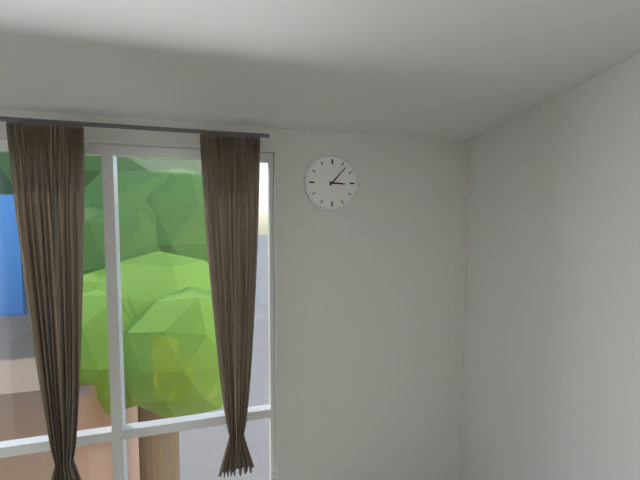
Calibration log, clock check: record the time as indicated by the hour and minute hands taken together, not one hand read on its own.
3:07
